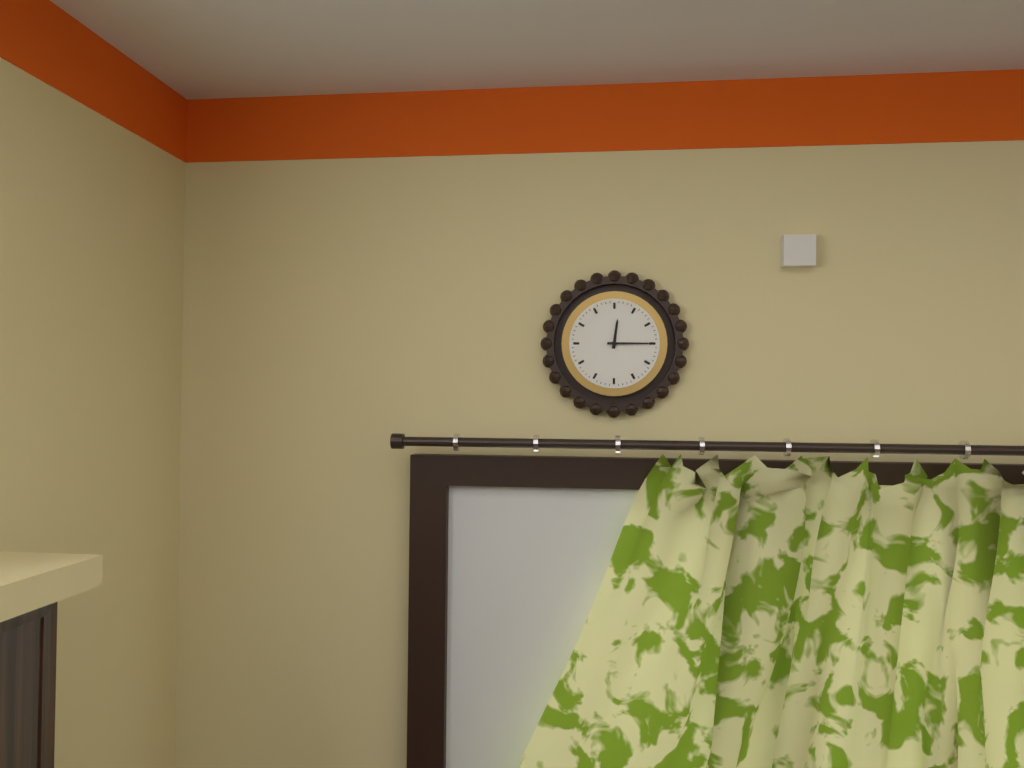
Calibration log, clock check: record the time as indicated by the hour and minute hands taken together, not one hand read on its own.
12:15
